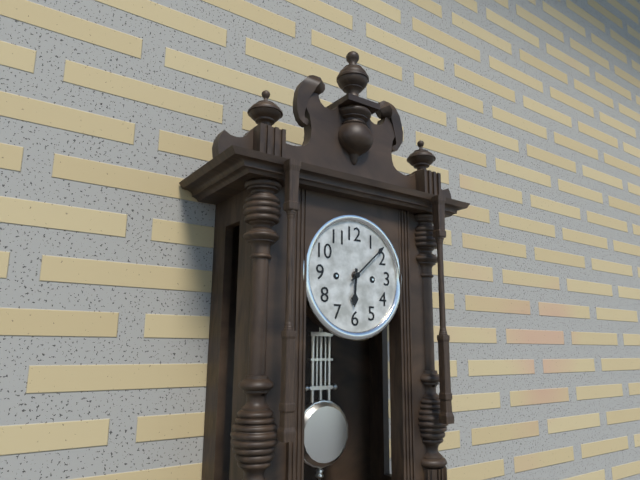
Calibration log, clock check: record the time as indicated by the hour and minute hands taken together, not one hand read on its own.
6:08
